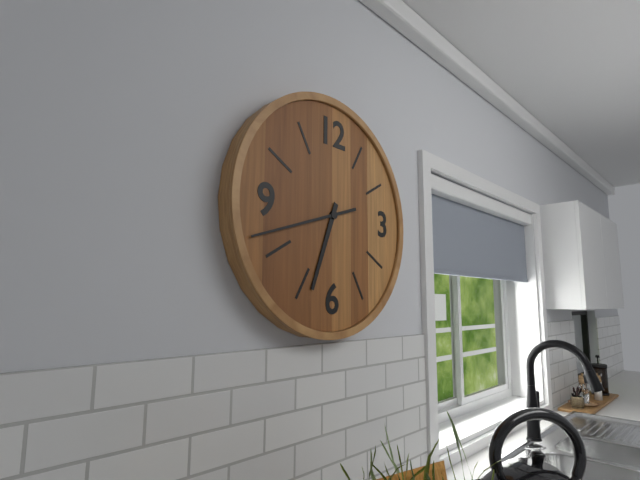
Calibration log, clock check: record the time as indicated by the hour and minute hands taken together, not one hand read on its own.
6:42
